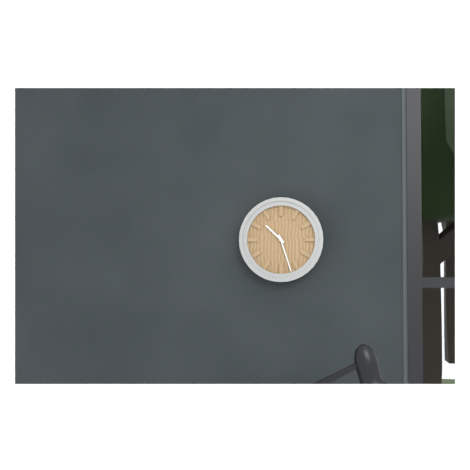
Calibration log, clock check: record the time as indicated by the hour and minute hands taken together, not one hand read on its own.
10:27
